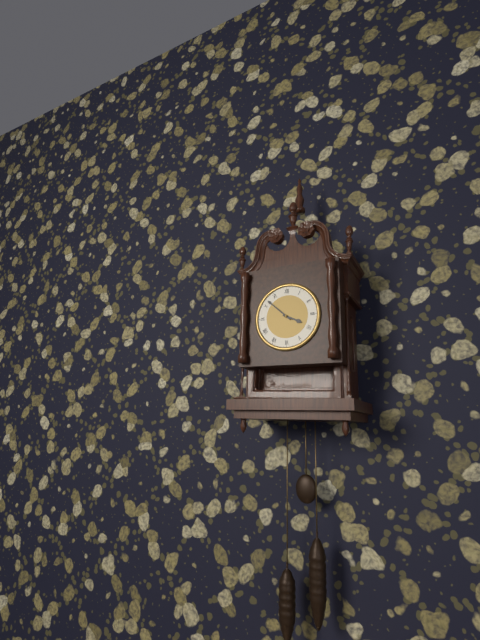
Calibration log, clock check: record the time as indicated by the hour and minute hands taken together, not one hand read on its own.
3:52
